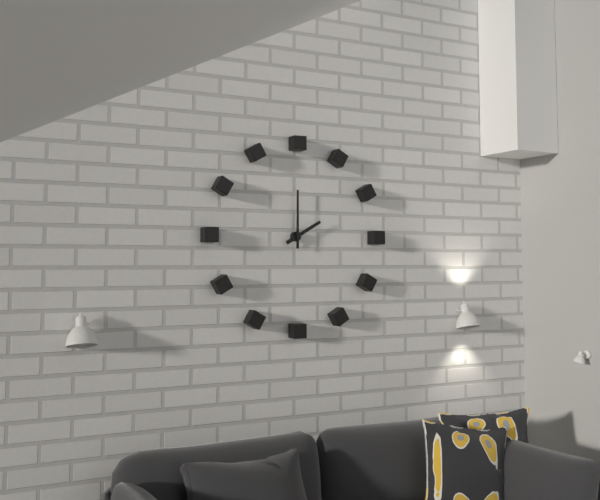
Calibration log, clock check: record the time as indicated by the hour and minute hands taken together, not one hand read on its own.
2:00
